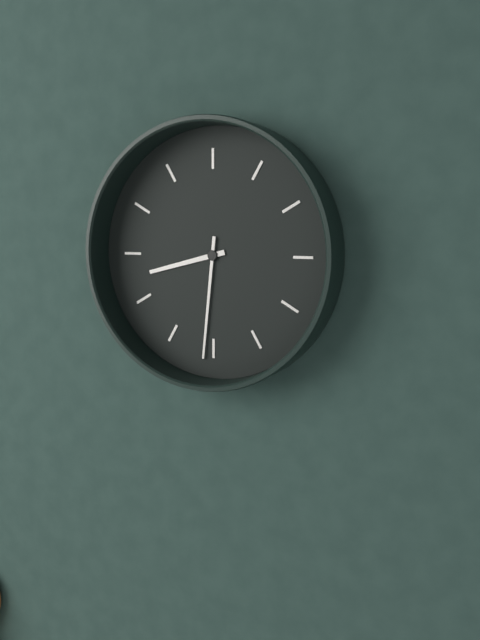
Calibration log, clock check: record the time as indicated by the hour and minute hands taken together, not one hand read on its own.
8:31
